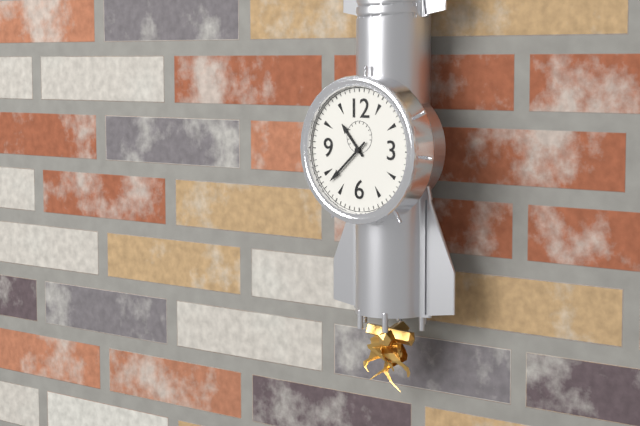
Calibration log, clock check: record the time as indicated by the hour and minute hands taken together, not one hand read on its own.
10:38
